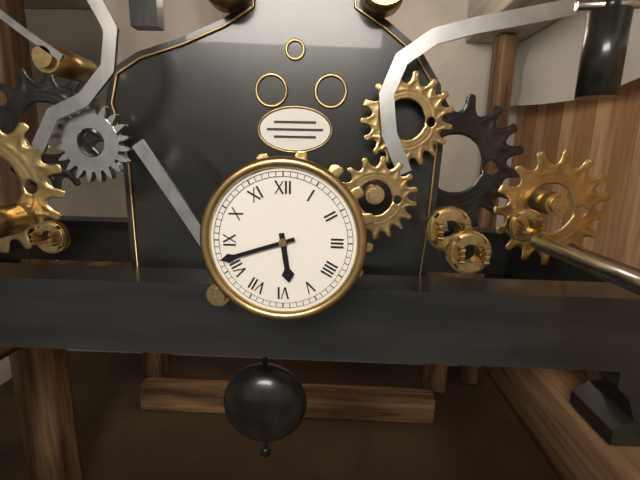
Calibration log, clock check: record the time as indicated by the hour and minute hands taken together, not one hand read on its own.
5:42
